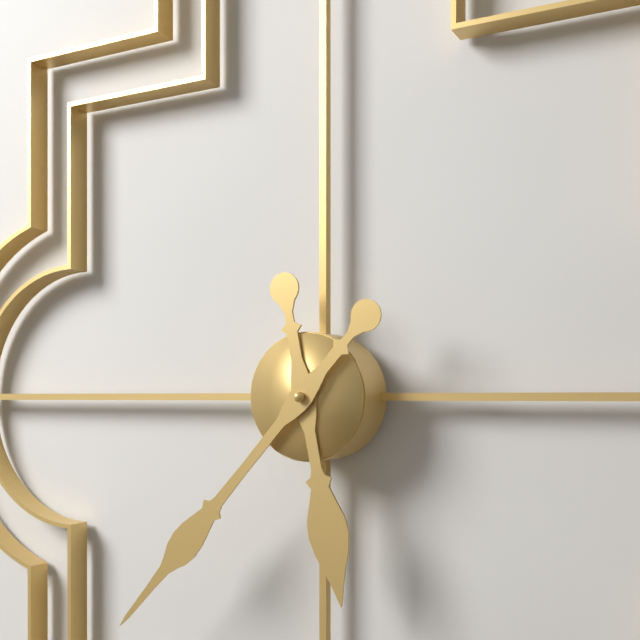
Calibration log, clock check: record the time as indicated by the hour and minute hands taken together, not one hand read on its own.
5:37
